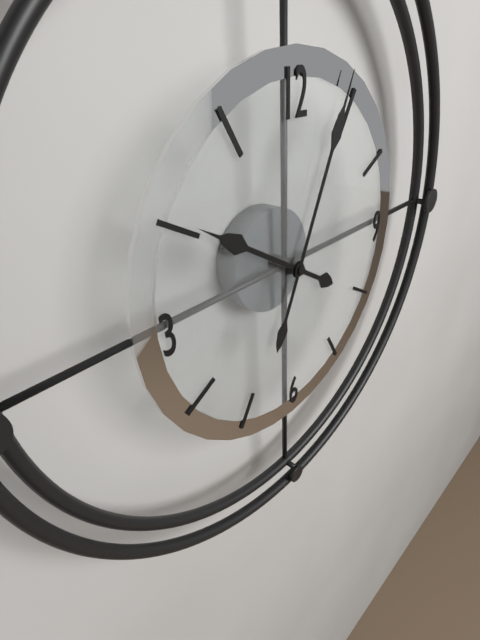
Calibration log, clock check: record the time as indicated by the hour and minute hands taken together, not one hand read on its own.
10:04
